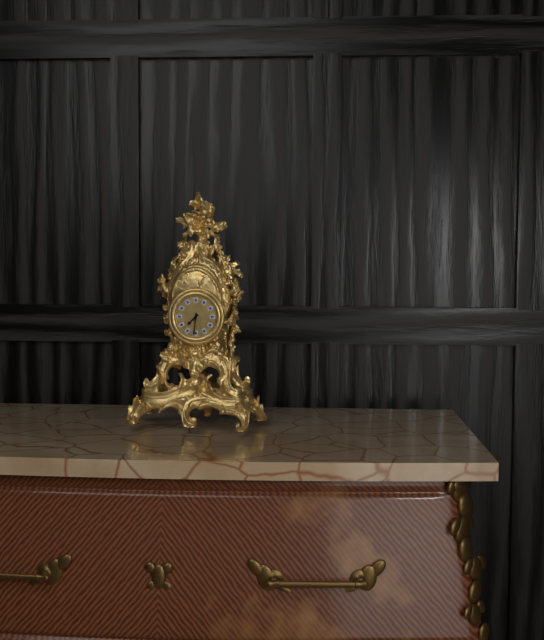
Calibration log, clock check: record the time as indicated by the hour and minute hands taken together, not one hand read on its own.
7:31
